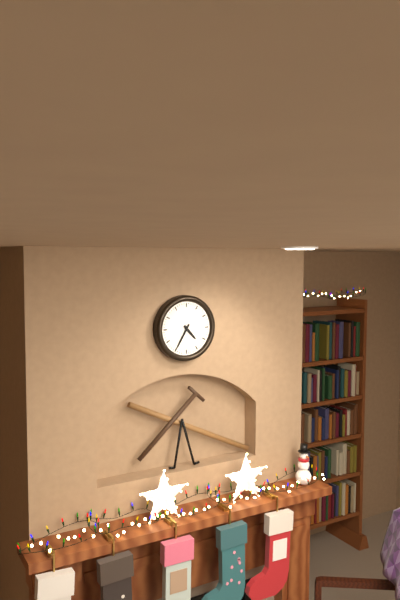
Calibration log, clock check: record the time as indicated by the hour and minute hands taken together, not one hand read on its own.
4:35
